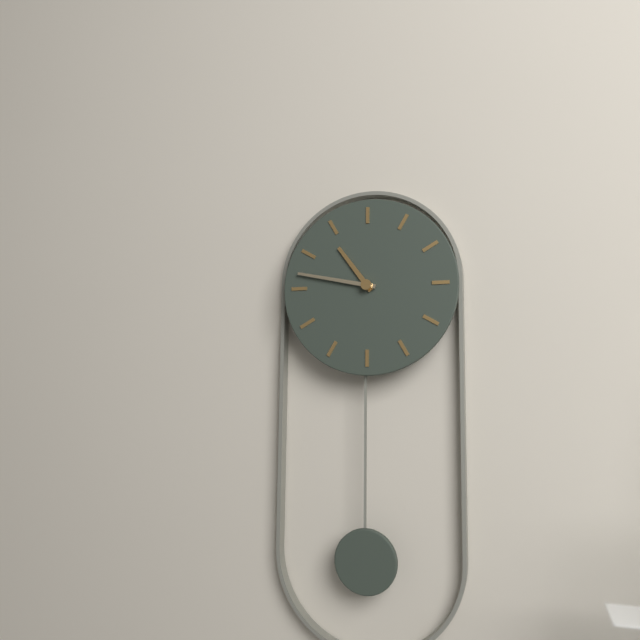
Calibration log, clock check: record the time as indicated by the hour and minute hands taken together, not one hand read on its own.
10:47
